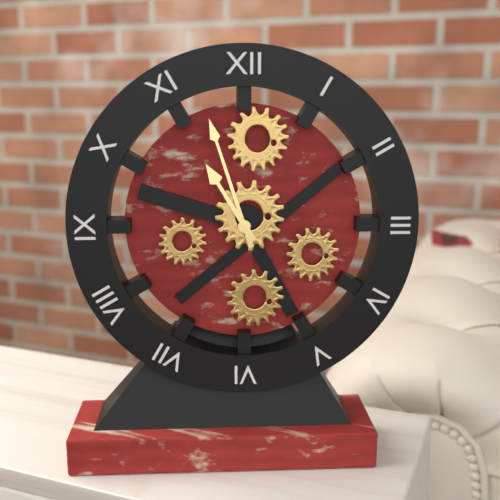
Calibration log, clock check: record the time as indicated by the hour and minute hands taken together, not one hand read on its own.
10:57
